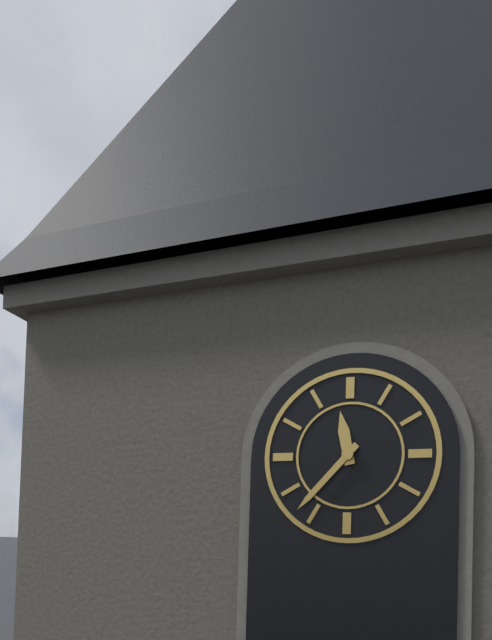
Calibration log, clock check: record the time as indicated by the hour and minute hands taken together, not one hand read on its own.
11:37
